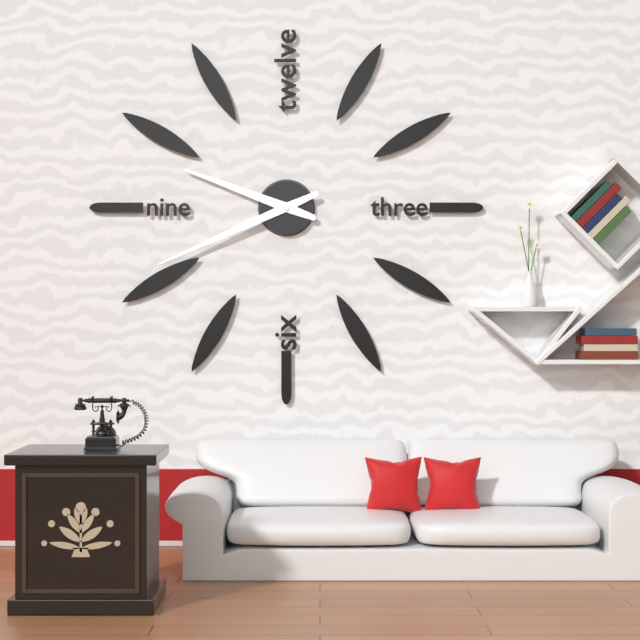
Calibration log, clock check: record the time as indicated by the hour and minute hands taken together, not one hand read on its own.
9:41
